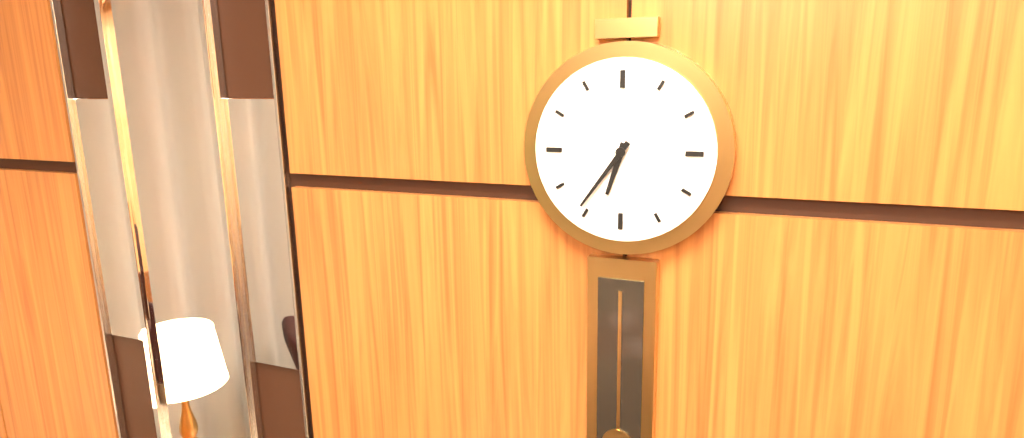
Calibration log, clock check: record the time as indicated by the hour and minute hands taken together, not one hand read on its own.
6:36
